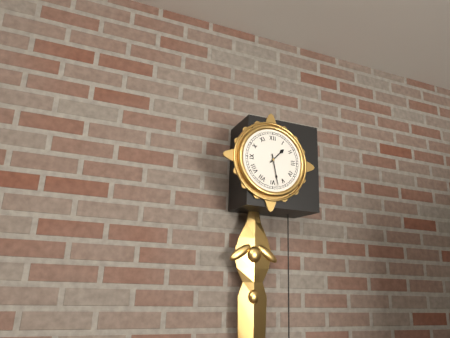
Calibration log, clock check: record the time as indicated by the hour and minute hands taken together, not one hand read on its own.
1:28
